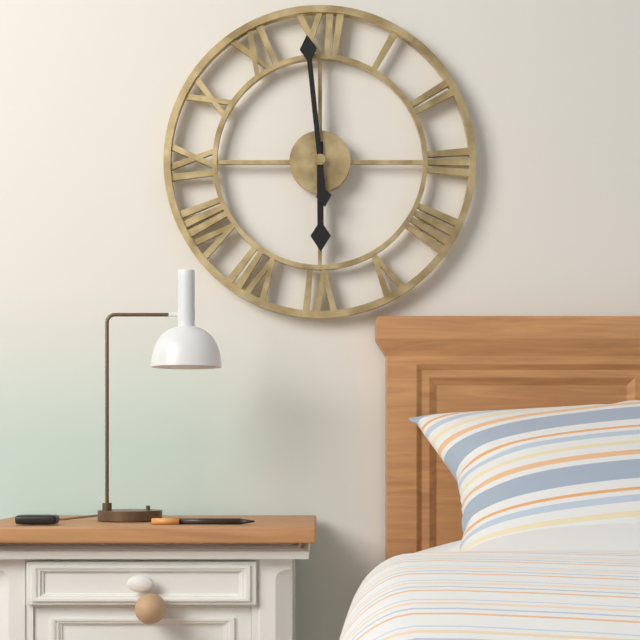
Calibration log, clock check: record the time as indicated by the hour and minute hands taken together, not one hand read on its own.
5:59
